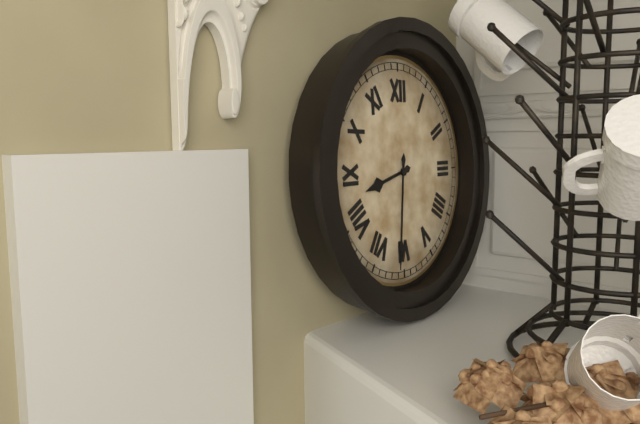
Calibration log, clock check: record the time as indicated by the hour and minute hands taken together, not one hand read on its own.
8:31
